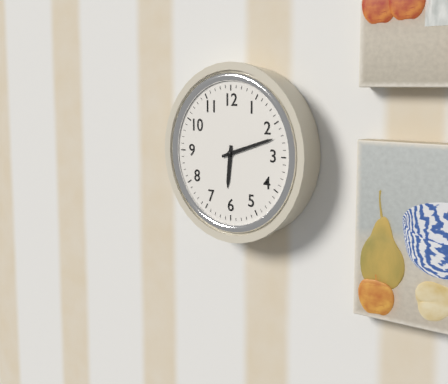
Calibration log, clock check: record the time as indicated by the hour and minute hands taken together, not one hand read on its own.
6:12
